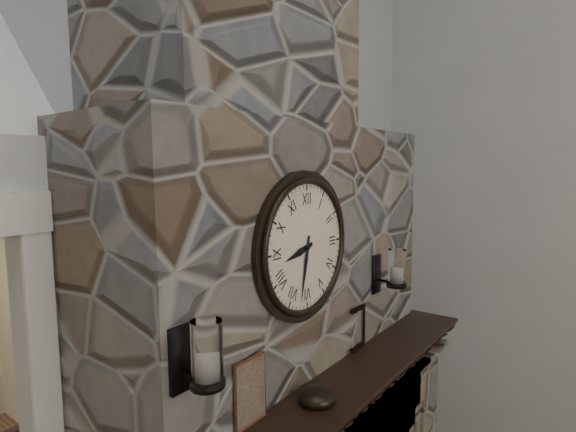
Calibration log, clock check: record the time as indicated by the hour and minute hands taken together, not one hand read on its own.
8:32
